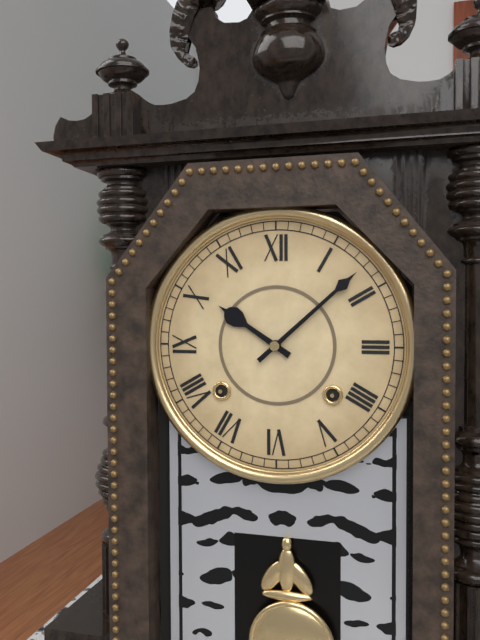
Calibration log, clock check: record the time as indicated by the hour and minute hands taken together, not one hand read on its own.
10:08
